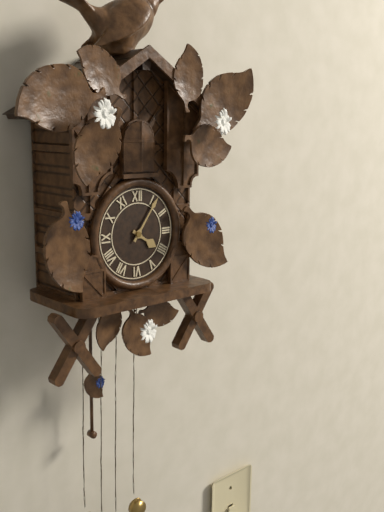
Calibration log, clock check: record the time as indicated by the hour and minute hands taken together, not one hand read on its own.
4:06
